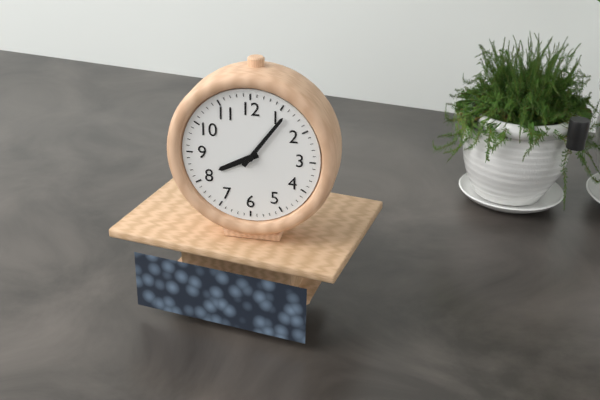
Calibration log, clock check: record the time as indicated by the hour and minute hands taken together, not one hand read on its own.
8:06
